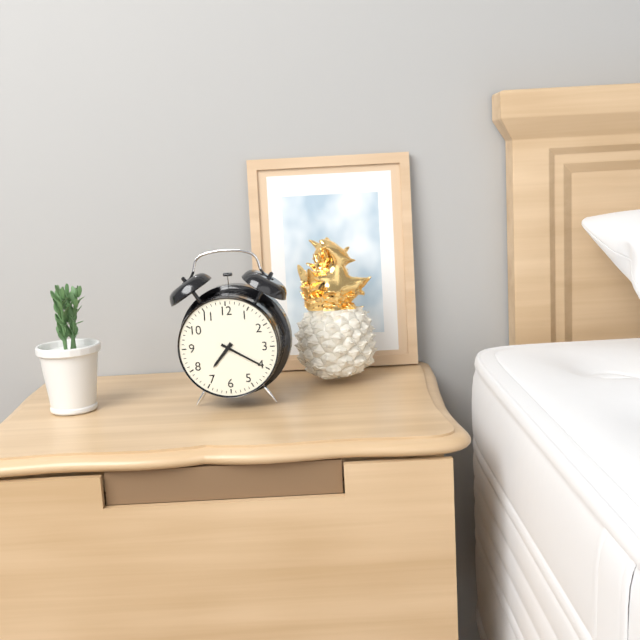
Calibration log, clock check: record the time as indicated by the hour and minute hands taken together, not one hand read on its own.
7:20
